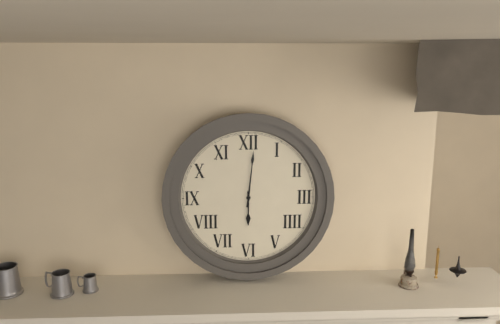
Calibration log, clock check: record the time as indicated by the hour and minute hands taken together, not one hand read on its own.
6:01
